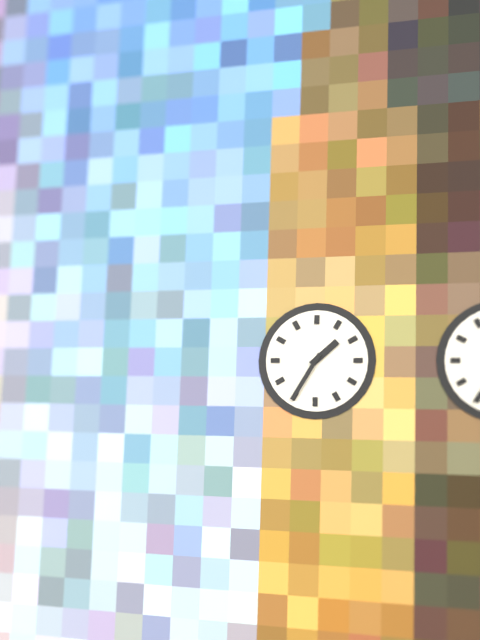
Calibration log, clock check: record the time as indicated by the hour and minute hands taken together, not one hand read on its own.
1:35
